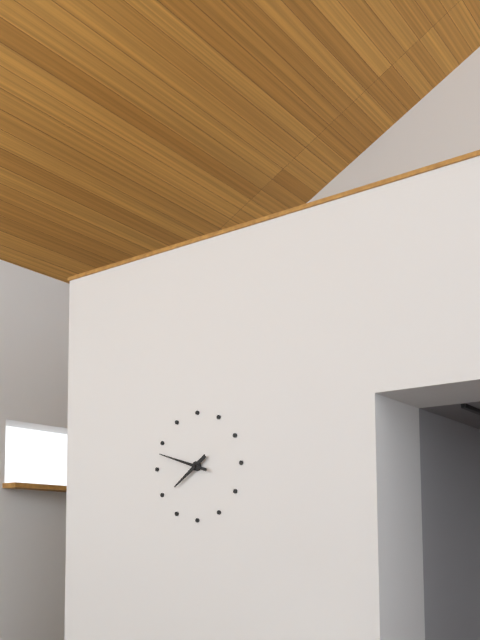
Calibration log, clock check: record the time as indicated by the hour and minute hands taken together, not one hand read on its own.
7:48
